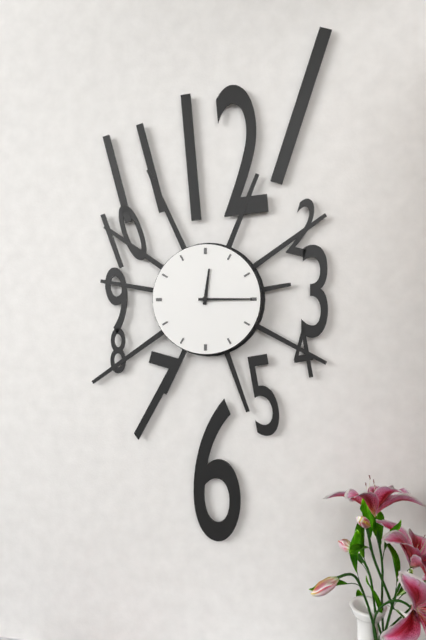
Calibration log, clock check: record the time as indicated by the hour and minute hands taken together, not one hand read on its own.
12:15
